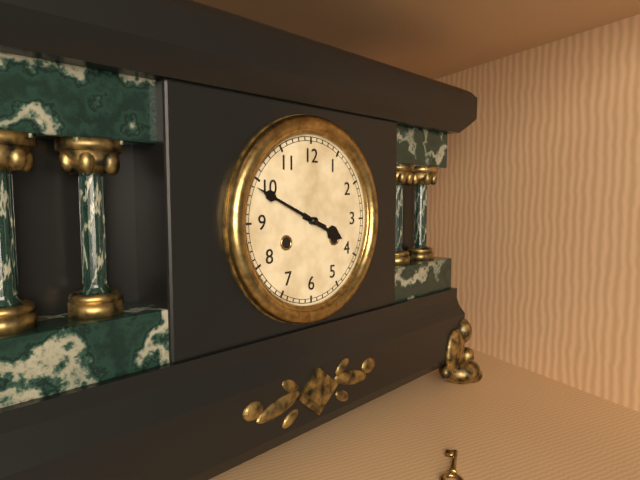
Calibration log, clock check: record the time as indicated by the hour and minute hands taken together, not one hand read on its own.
3:49
